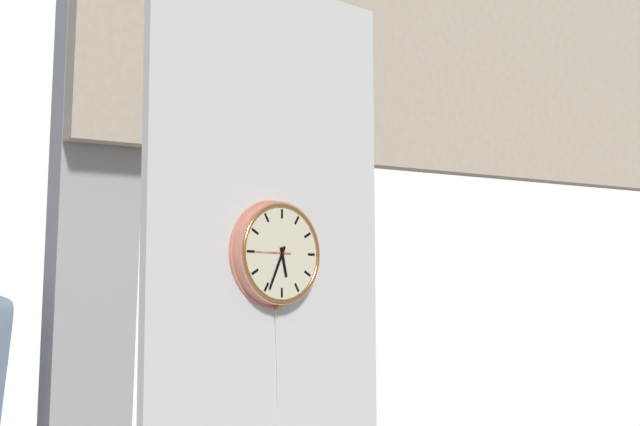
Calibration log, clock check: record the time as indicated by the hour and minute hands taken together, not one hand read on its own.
5:34
